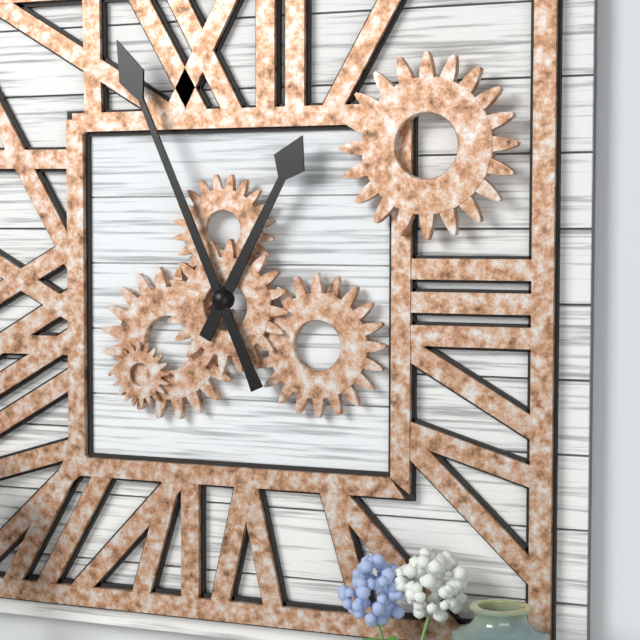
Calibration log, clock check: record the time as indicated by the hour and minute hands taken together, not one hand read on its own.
12:56
